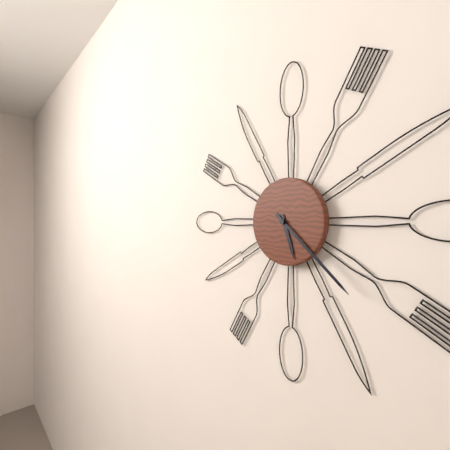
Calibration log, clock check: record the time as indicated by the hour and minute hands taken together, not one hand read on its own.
5:22
